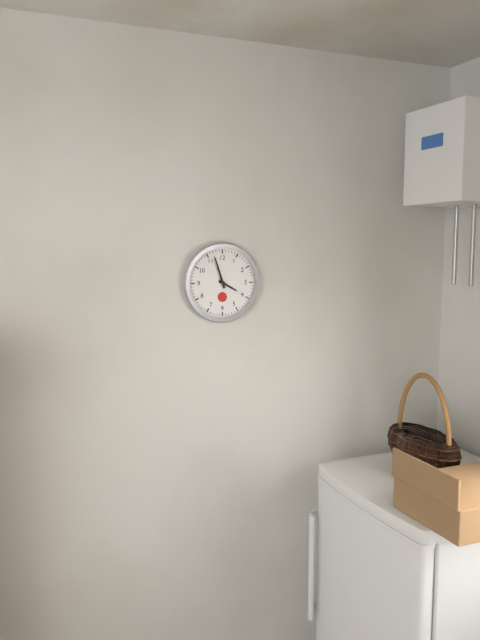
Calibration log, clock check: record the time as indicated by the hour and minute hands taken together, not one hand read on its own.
3:57
